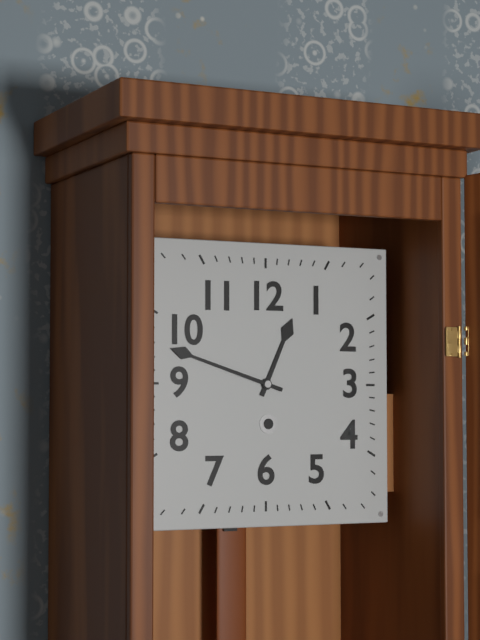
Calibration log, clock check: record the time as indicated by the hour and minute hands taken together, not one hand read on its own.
12:48
